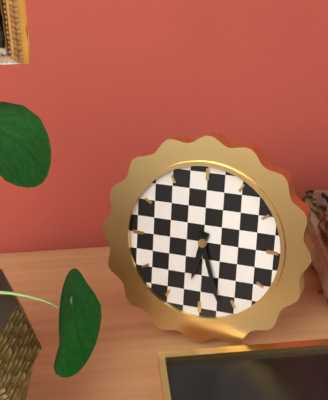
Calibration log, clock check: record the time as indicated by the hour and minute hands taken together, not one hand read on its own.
6:27
